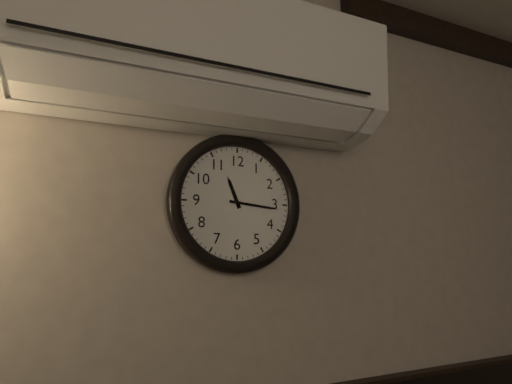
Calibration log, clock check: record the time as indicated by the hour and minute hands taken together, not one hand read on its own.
11:16
